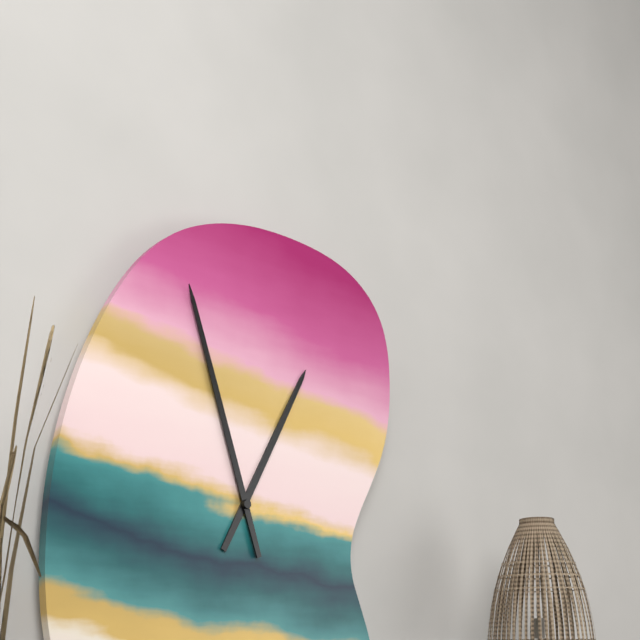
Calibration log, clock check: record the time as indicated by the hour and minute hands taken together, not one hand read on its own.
12:57
